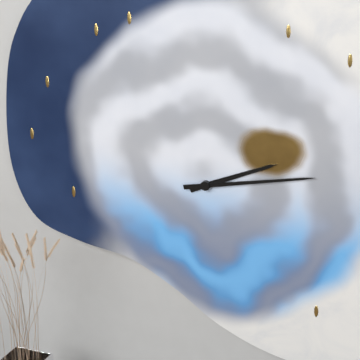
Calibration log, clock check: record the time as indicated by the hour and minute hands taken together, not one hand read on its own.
2:13
